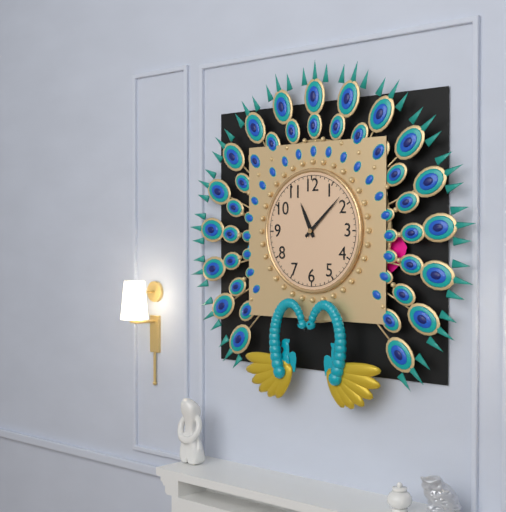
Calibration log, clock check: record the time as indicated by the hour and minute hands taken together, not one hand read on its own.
11:08
